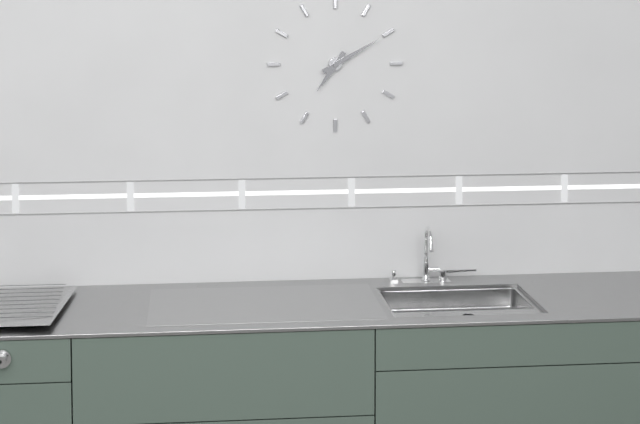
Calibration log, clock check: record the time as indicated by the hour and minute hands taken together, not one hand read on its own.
7:10
